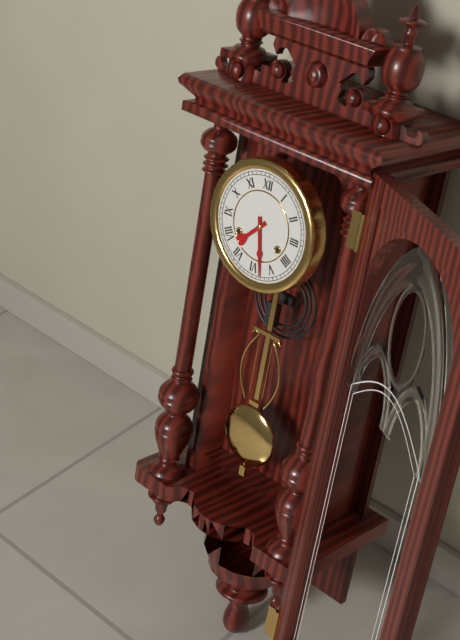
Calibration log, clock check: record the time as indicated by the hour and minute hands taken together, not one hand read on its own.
7:28
